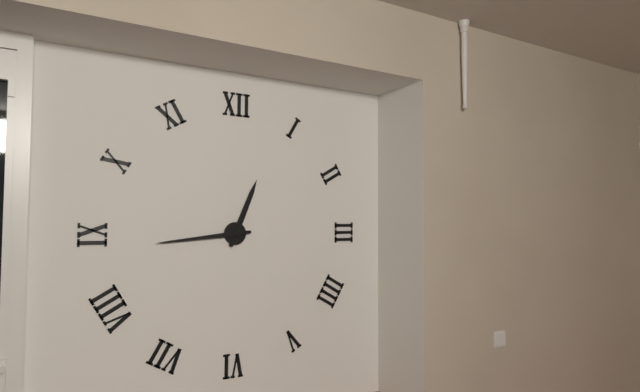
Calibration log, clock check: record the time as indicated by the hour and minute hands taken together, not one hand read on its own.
12:44
